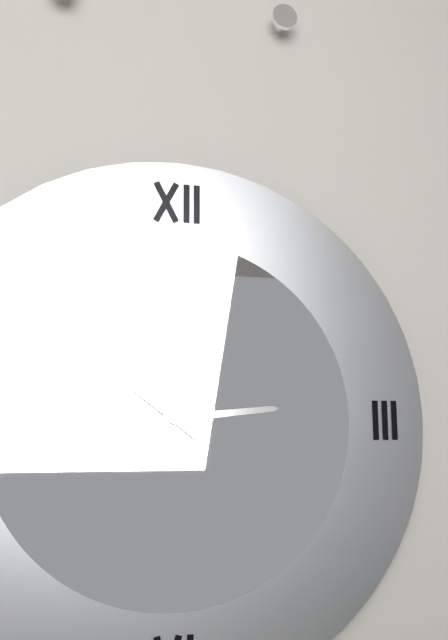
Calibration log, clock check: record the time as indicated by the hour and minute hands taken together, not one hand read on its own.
10:14
